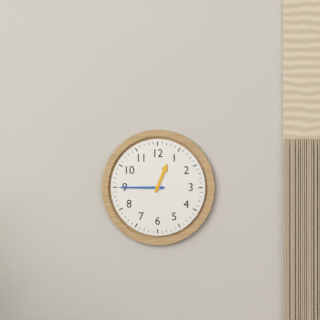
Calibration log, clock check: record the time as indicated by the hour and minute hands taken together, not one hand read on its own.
12:45
